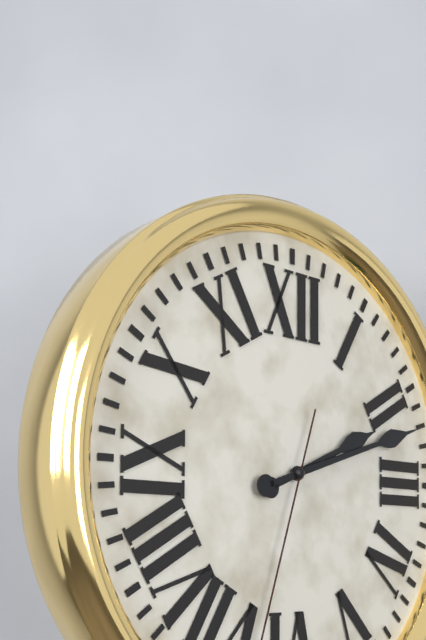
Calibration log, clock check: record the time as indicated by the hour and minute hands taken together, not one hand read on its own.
2:12
